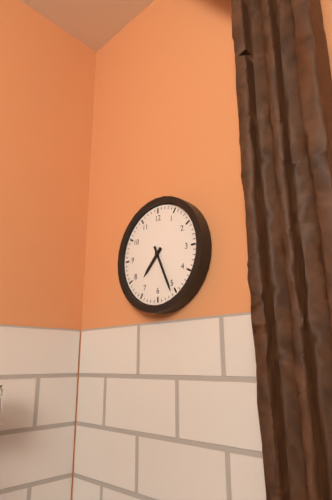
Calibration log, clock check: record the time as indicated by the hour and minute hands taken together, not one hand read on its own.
7:26
